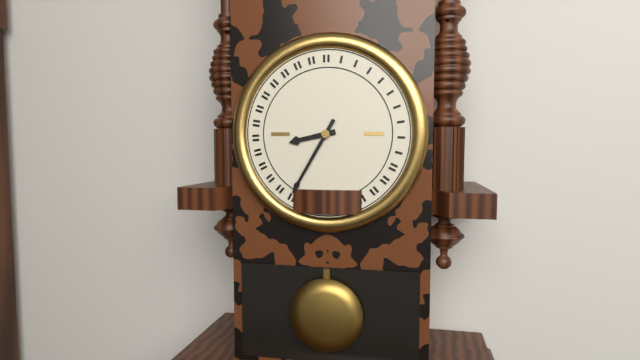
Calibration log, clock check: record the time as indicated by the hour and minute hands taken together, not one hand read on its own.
8:35
